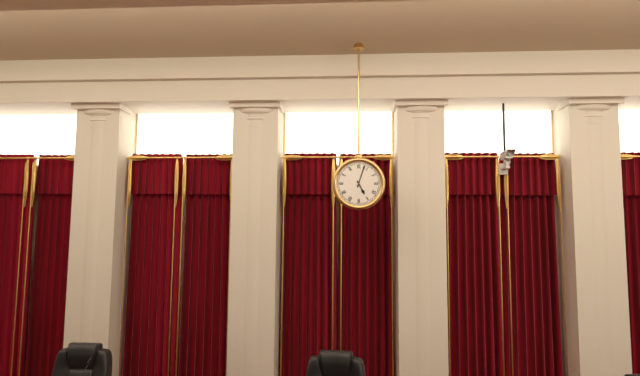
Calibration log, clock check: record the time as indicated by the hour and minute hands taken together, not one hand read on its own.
5:03
